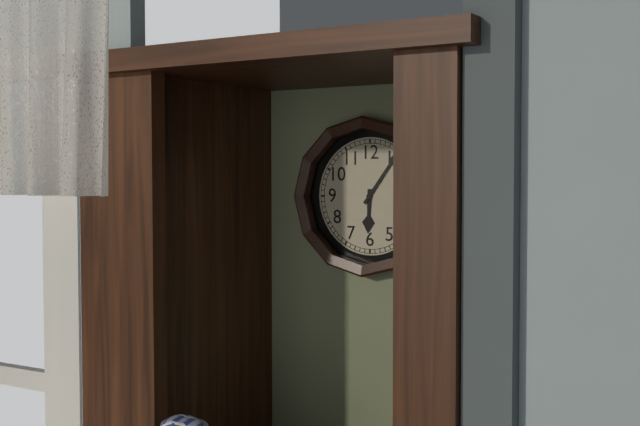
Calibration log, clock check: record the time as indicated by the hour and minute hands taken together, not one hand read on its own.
6:06
